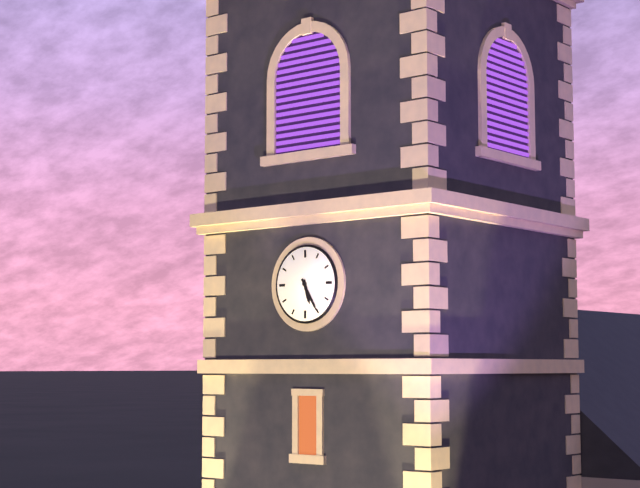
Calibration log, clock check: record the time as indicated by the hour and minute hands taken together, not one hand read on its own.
5:25
